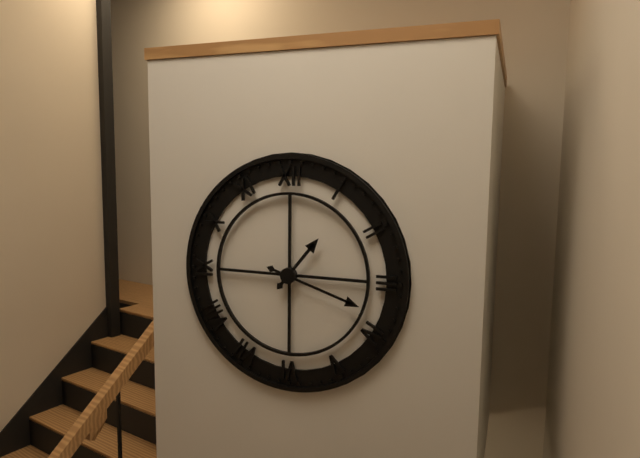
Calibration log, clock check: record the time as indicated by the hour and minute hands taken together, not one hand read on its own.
1:18
